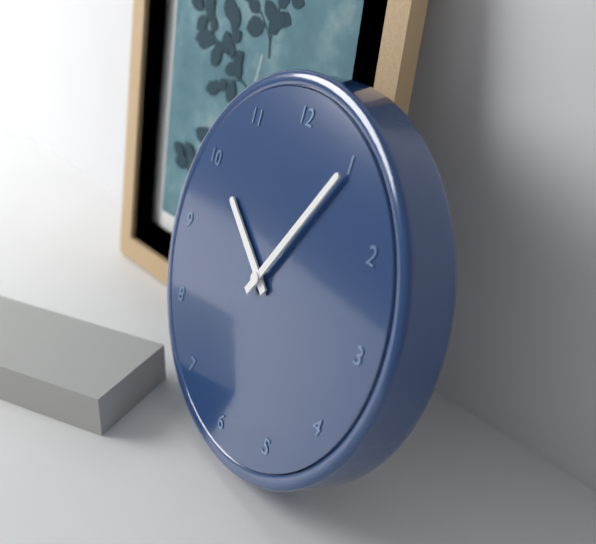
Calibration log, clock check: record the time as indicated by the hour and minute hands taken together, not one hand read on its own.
10:05
